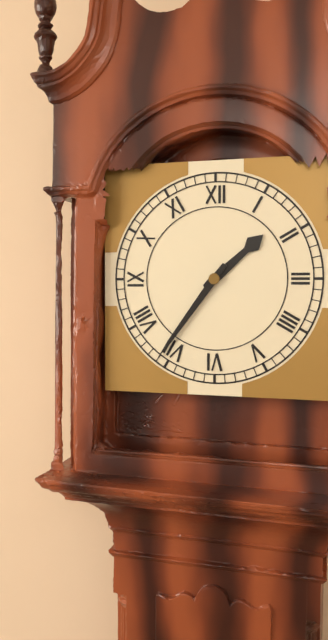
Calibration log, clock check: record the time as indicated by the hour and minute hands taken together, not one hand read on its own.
1:36
